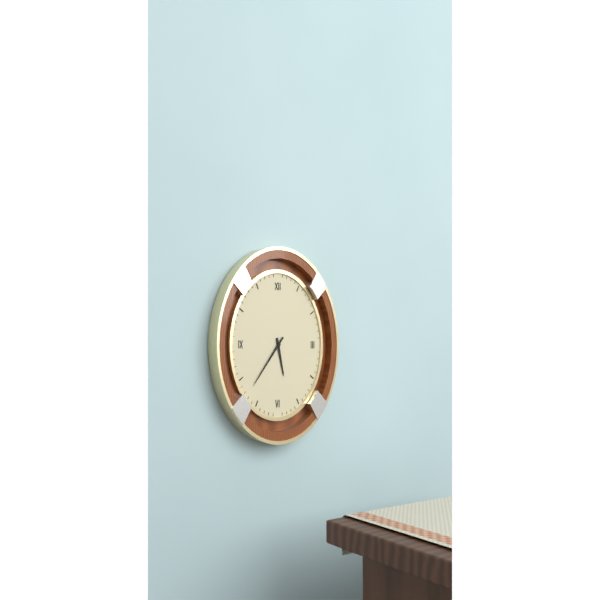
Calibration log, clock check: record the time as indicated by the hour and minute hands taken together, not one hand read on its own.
5:36
